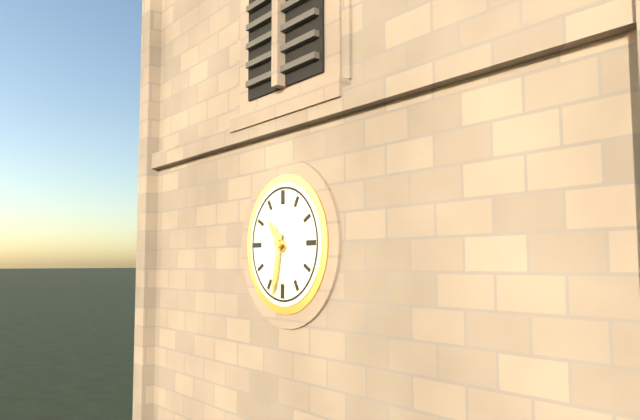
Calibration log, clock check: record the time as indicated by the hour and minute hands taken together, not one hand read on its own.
10:32
